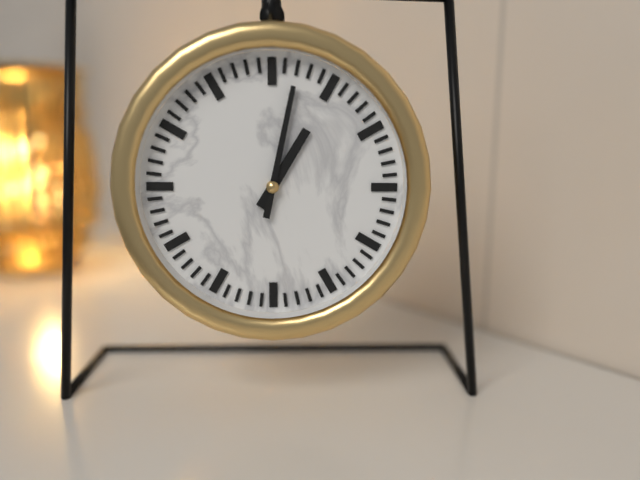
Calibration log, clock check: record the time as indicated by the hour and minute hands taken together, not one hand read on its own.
1:02
